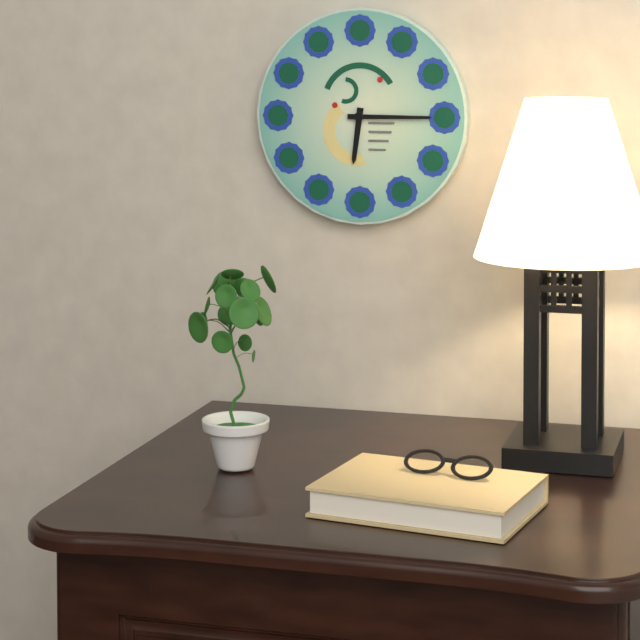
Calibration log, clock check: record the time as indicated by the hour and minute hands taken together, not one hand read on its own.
6:15
